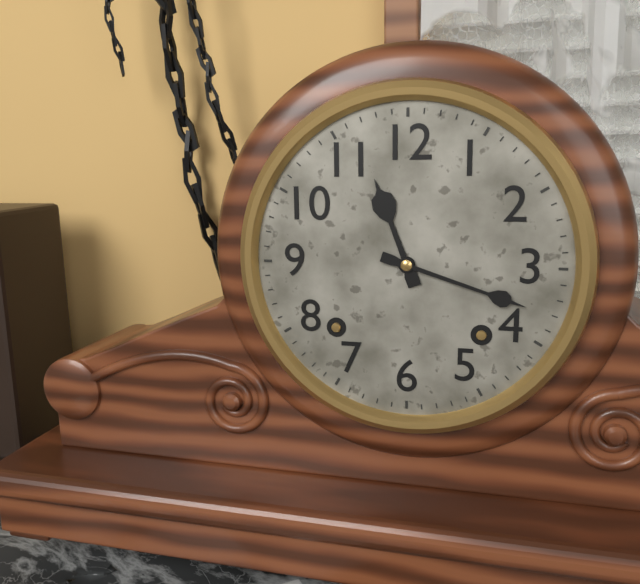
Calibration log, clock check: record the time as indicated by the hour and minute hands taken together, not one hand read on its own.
11:18
